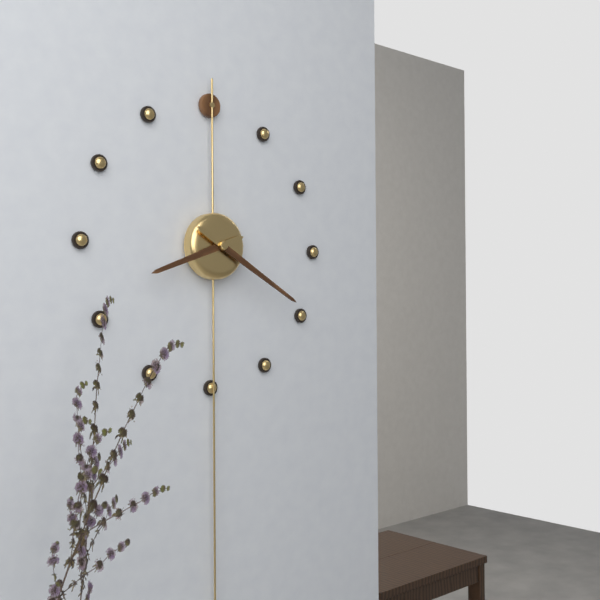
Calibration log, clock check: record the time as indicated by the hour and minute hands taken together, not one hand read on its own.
8:20
